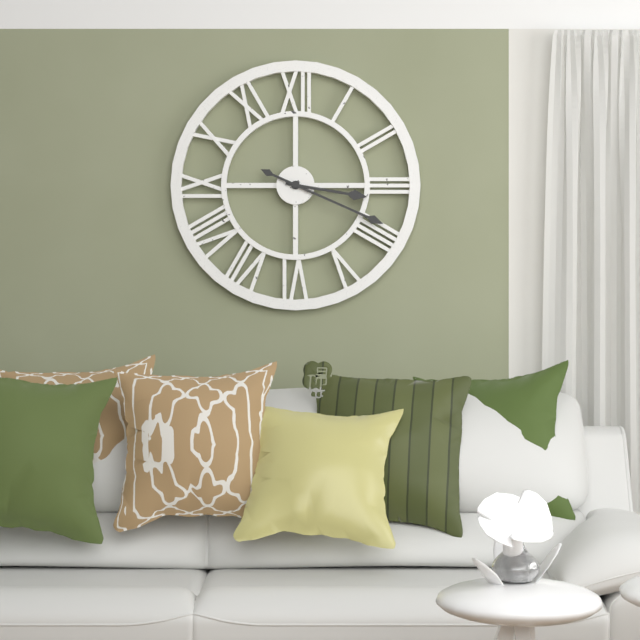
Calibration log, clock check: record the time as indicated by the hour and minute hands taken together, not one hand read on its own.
3:19
